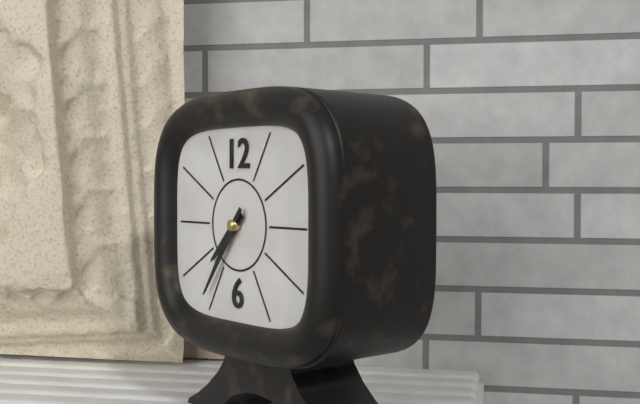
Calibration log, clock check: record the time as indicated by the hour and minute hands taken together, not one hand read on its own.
7:36
